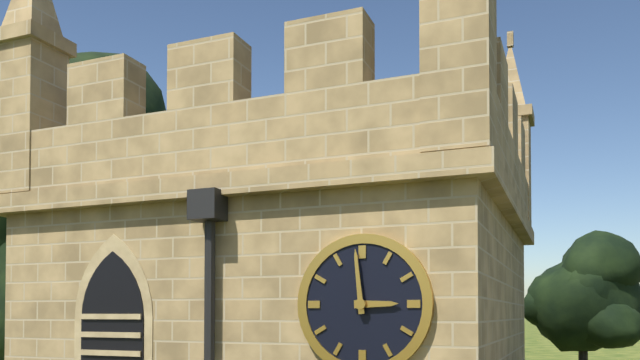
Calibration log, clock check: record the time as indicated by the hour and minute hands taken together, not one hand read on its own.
2:59
